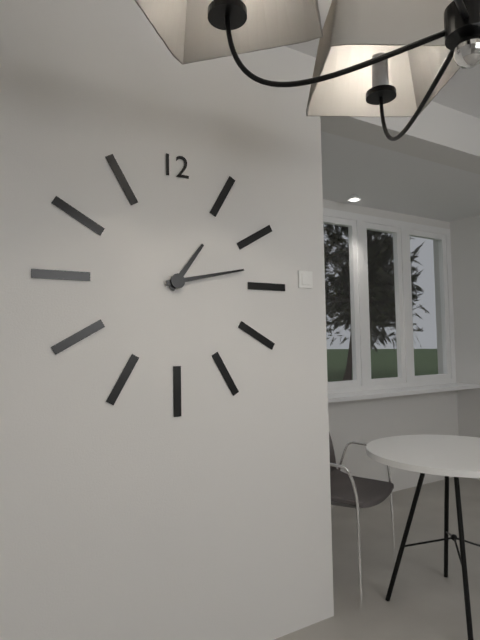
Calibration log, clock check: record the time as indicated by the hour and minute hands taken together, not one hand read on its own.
1:13
